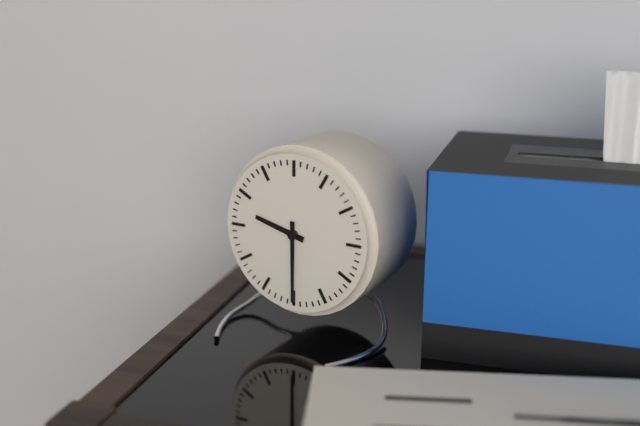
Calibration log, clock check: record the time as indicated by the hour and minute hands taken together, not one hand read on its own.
9:30
